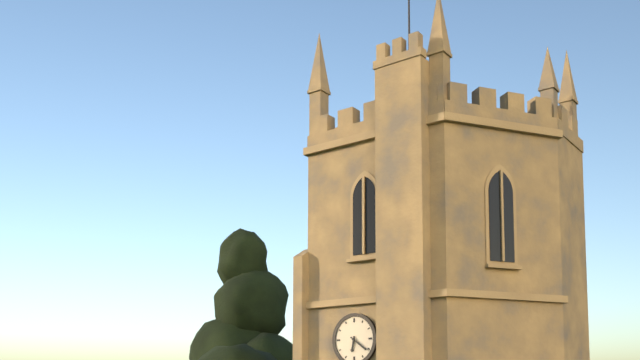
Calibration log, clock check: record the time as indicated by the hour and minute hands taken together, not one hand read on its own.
6:21
